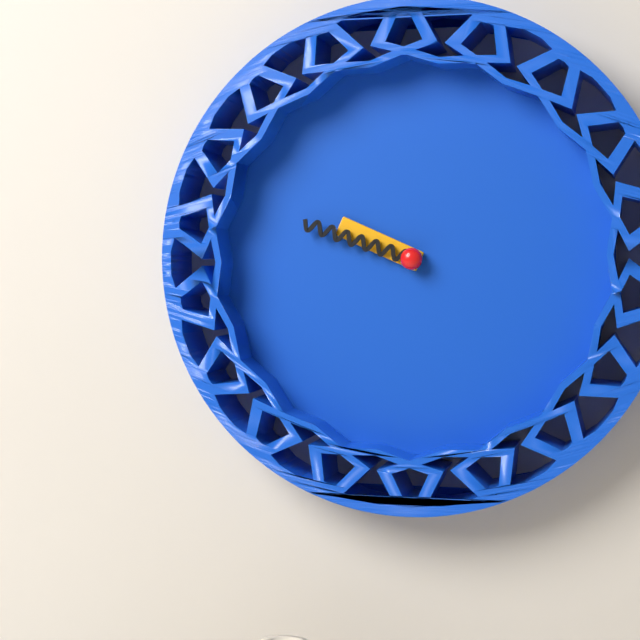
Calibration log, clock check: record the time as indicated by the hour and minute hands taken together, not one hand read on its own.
9:48
